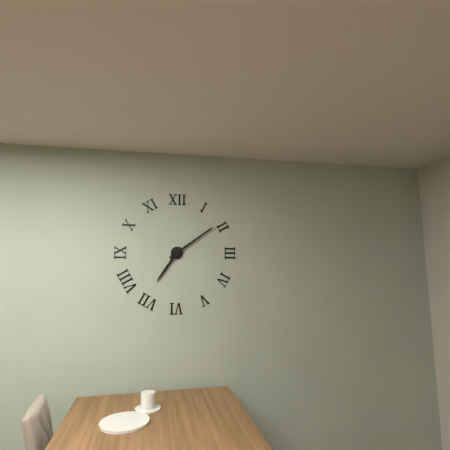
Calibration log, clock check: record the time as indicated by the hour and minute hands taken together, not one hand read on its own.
7:09
